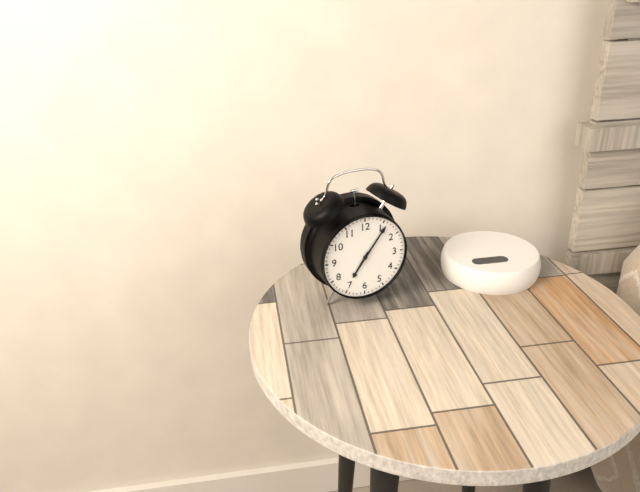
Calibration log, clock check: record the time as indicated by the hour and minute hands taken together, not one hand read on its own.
7:06
